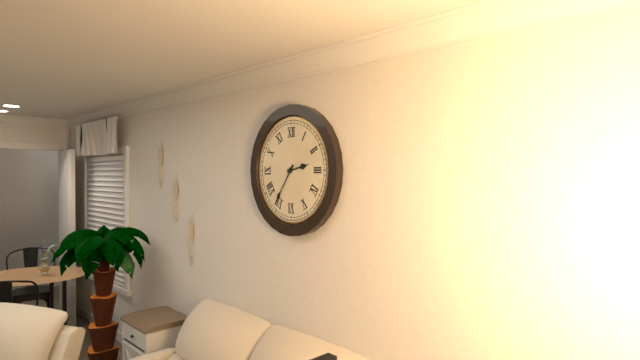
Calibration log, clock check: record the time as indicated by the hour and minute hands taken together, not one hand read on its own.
2:36
